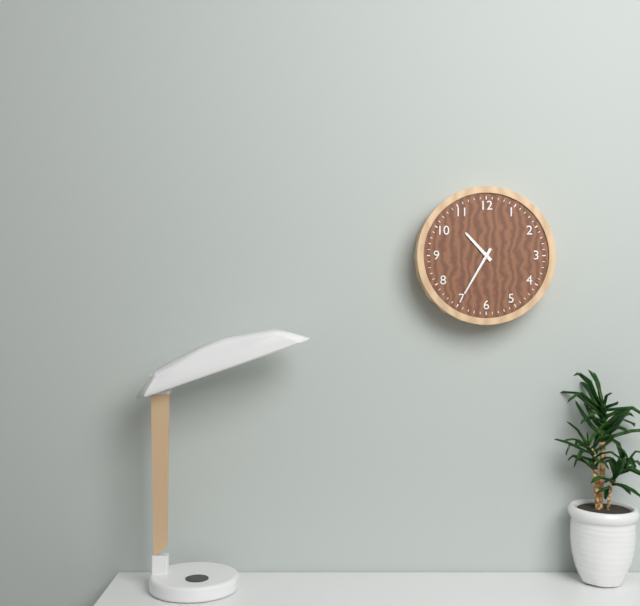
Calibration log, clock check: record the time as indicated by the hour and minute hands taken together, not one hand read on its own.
10:35
